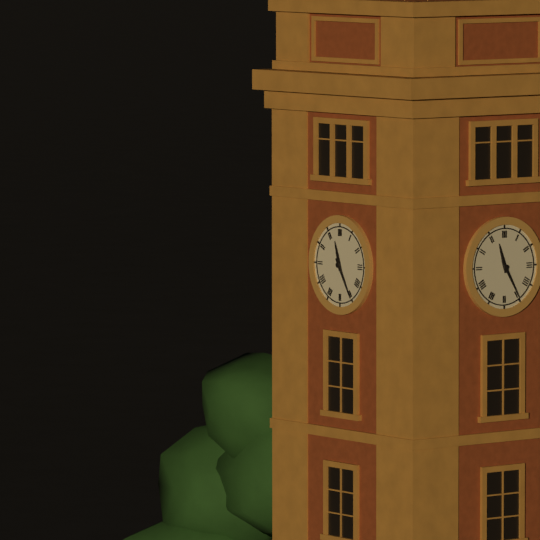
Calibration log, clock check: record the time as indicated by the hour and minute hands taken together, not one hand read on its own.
11:25
